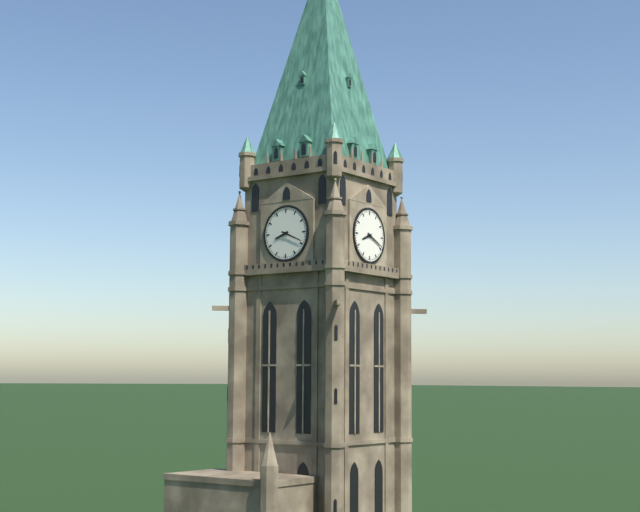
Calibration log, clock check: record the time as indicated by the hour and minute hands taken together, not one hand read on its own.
8:19
